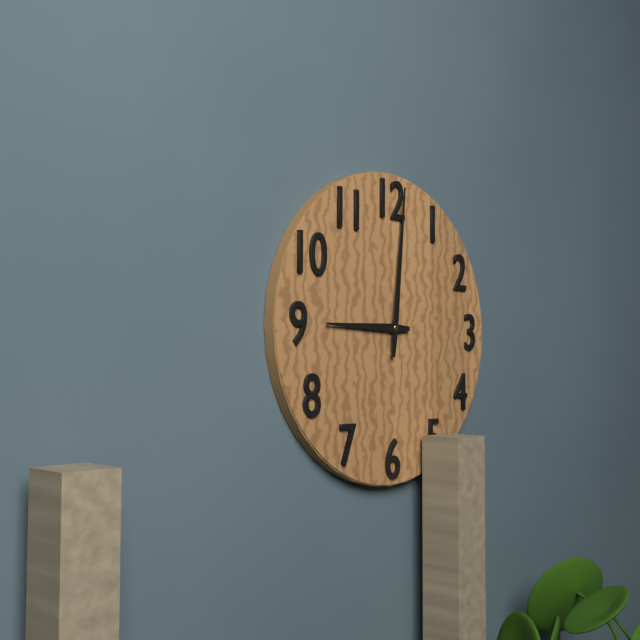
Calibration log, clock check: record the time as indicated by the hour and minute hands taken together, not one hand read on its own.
9:01
